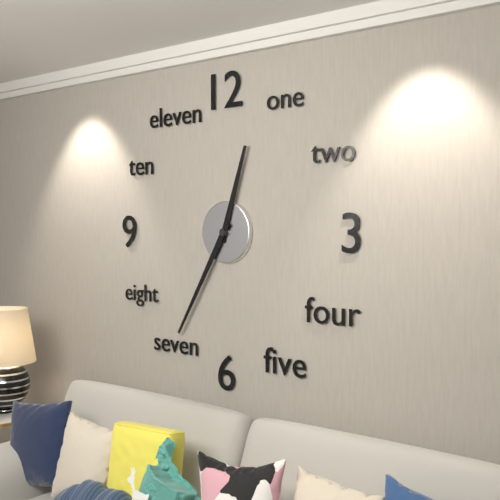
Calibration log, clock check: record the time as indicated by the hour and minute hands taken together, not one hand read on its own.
12:35
